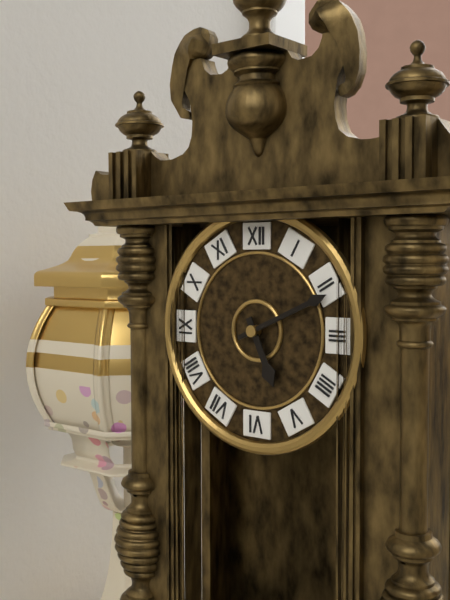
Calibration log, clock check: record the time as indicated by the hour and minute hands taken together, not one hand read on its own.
5:11
